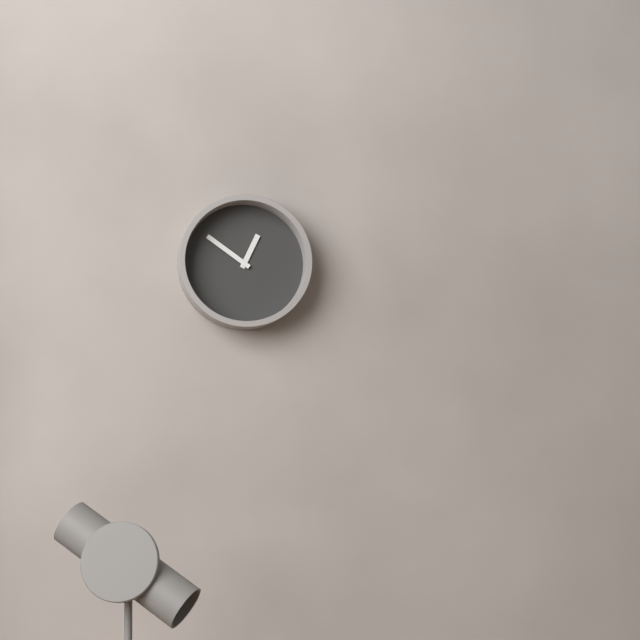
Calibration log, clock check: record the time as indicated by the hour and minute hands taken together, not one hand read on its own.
12:51
